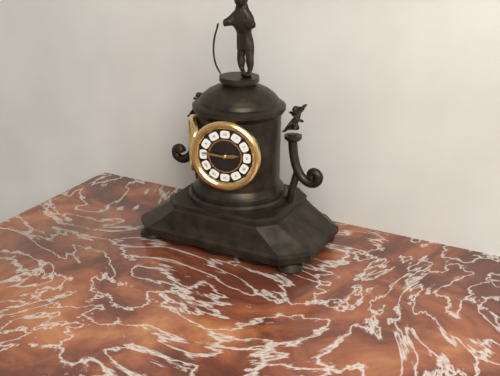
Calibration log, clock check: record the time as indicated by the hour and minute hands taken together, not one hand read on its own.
2:46
